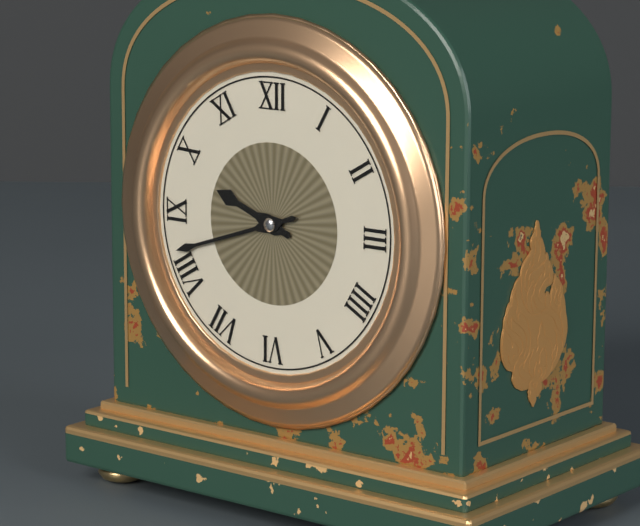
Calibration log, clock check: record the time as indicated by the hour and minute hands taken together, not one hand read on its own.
9:42
